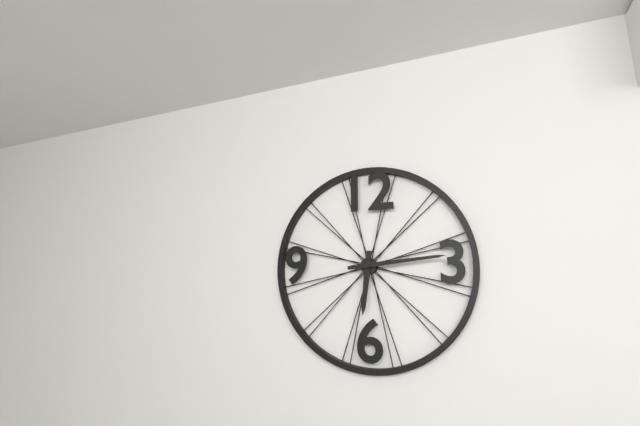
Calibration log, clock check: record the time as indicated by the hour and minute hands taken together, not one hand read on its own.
6:14
